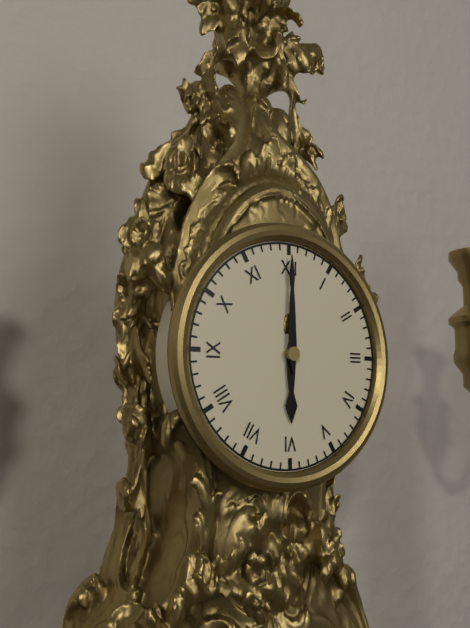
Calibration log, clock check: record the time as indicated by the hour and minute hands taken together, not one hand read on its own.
6:00
